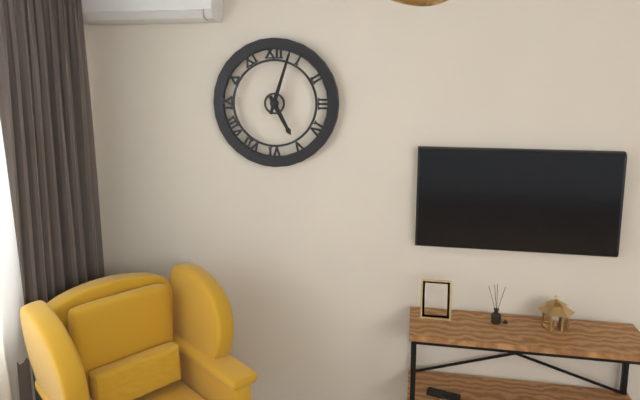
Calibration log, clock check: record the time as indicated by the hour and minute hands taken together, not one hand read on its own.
5:03
